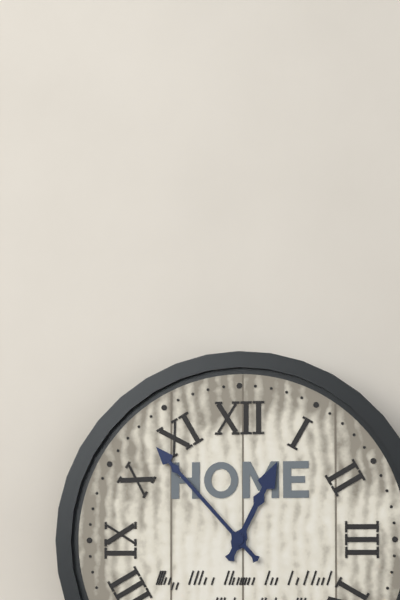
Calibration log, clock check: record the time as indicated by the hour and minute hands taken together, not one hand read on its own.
12:53
